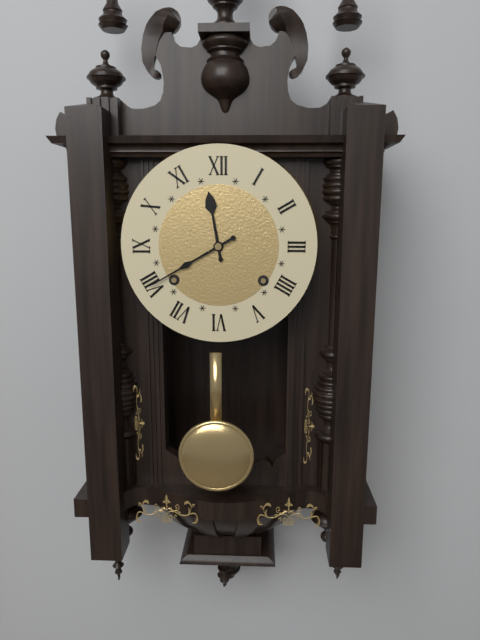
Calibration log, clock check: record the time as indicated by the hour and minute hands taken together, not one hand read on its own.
11:40
